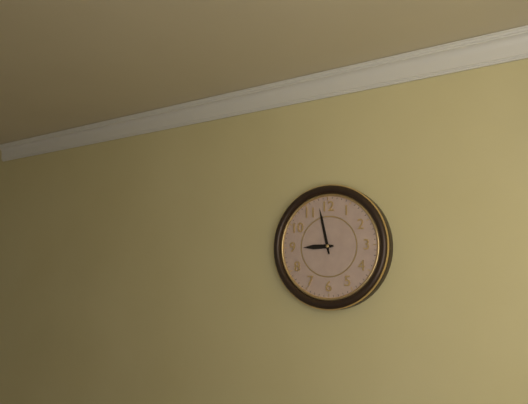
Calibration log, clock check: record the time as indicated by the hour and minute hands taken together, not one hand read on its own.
8:58
